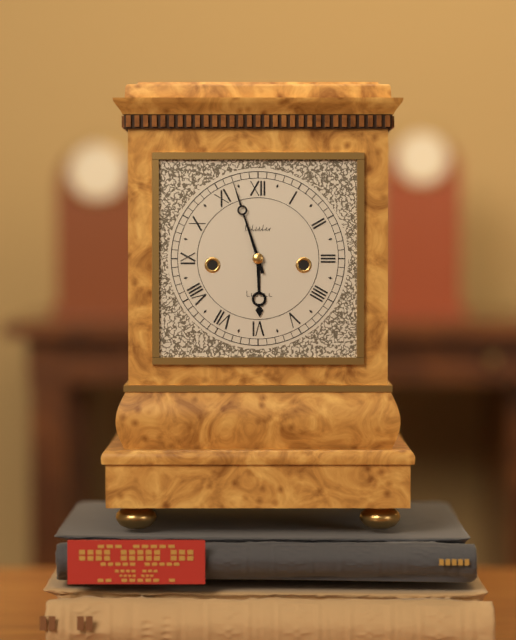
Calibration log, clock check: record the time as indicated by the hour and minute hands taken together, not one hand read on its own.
5:57
